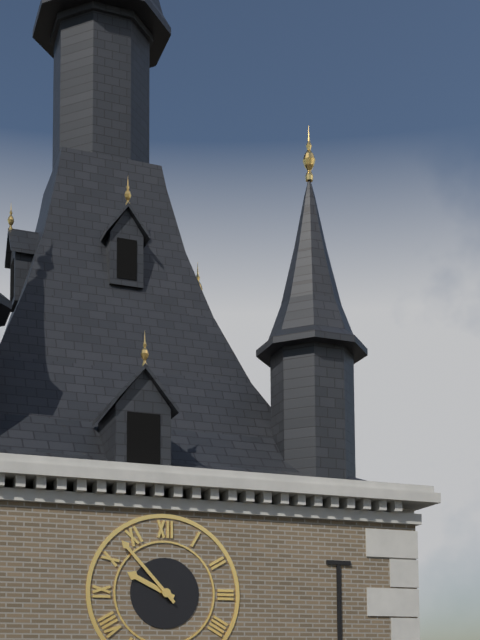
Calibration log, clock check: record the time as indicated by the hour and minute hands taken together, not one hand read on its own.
9:53
